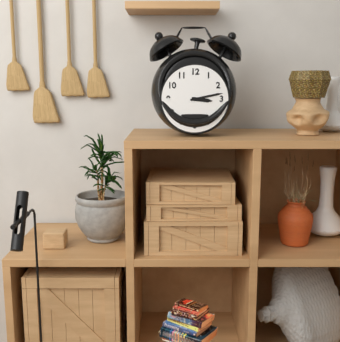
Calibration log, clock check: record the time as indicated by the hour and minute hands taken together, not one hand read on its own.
3:13
